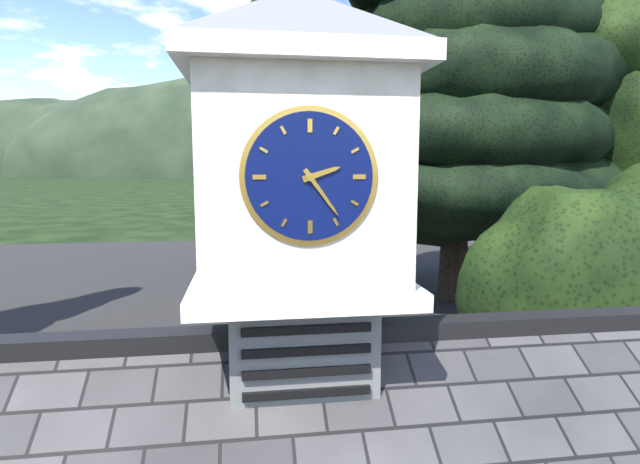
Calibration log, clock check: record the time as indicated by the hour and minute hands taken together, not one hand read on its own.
2:24
